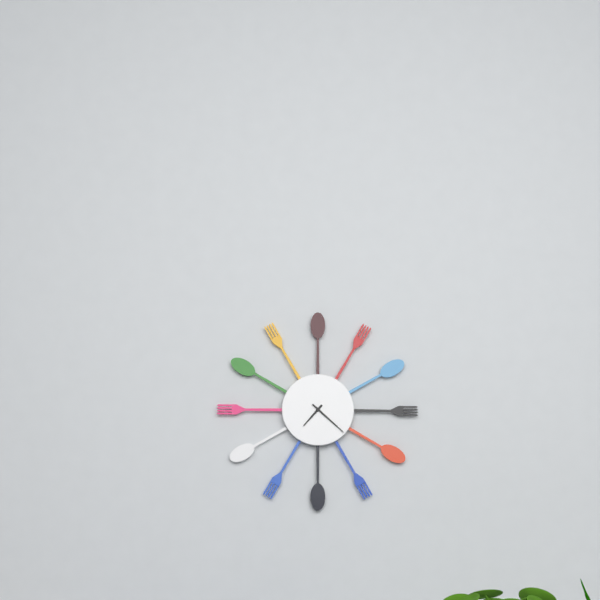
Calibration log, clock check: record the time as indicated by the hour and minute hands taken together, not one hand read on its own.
7:22
